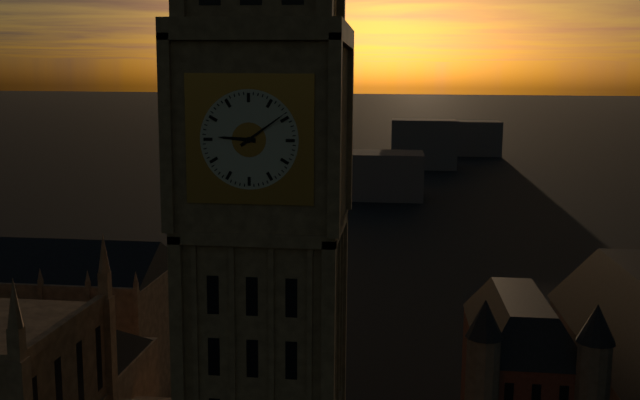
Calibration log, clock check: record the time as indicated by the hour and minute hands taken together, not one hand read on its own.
9:09
